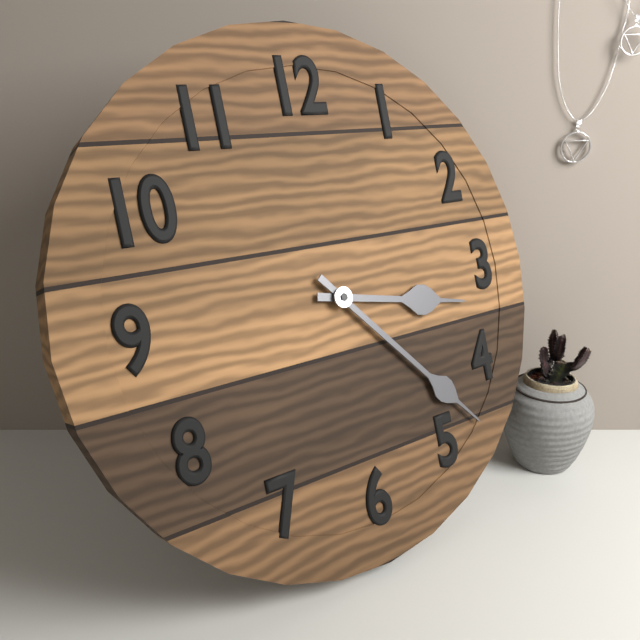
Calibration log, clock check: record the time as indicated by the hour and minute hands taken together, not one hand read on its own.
3:23
